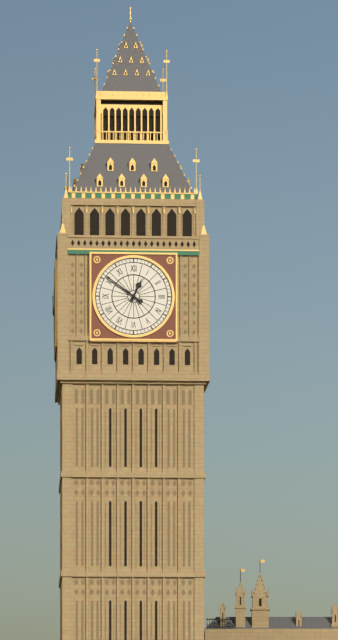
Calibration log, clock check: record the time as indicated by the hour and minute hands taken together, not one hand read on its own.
12:51
